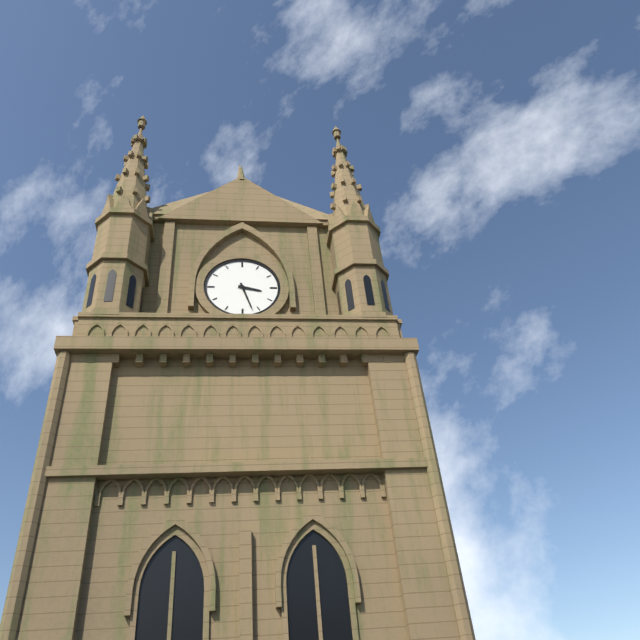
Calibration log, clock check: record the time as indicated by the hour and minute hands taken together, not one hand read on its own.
3:27
